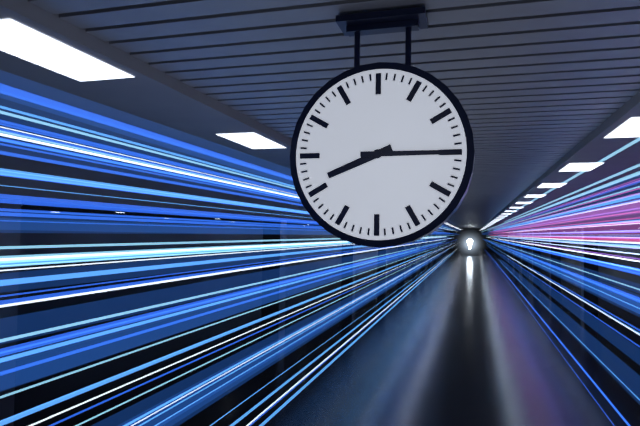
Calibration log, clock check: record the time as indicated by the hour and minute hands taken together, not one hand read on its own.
8:15
